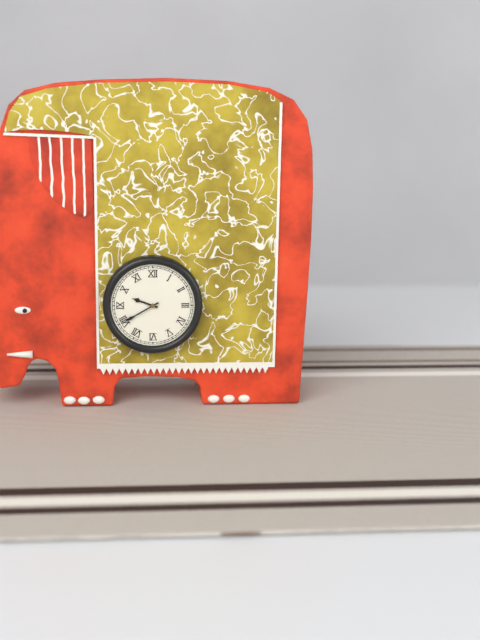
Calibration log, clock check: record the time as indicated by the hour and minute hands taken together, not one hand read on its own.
9:40
